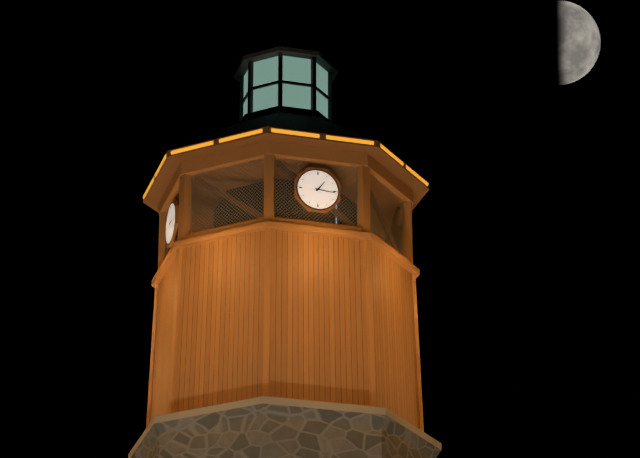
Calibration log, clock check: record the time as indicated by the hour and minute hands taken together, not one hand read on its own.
1:16
